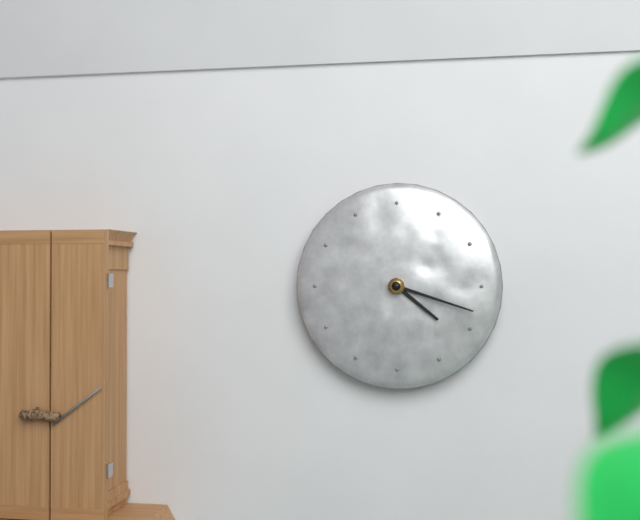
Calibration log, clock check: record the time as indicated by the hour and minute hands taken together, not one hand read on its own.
4:18
